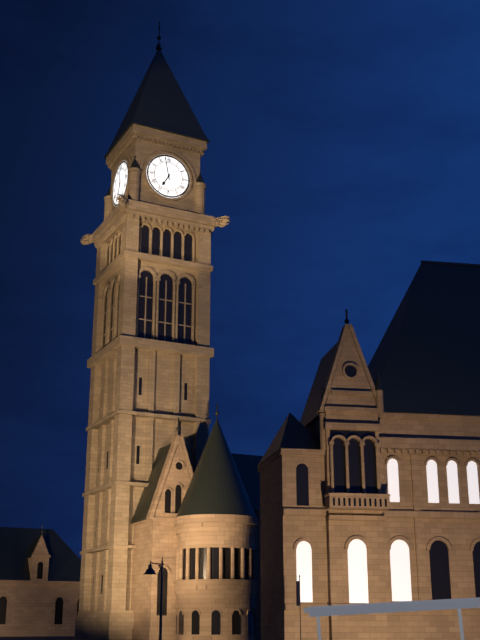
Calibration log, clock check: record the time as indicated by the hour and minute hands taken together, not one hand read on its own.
6:58
